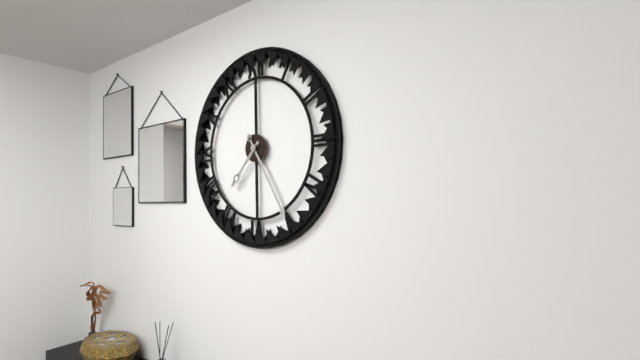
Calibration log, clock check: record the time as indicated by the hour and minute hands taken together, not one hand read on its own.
7:25
